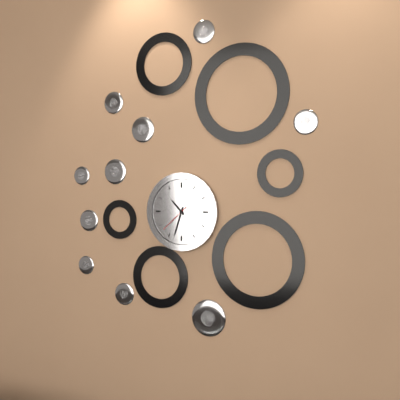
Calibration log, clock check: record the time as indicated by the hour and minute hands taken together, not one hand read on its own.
10:33
